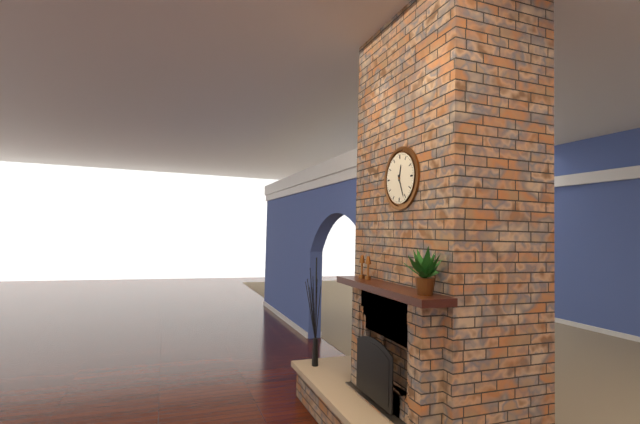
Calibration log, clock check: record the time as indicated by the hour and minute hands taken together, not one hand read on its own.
12:26
